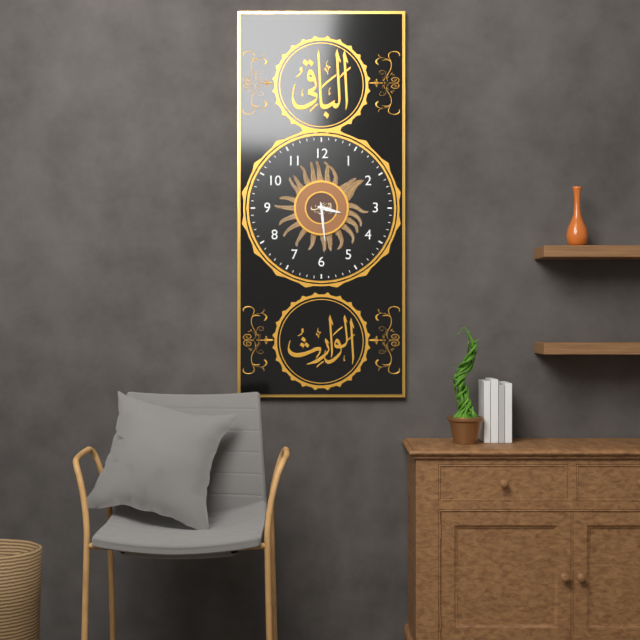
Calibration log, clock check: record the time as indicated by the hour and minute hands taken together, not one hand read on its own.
3:29
